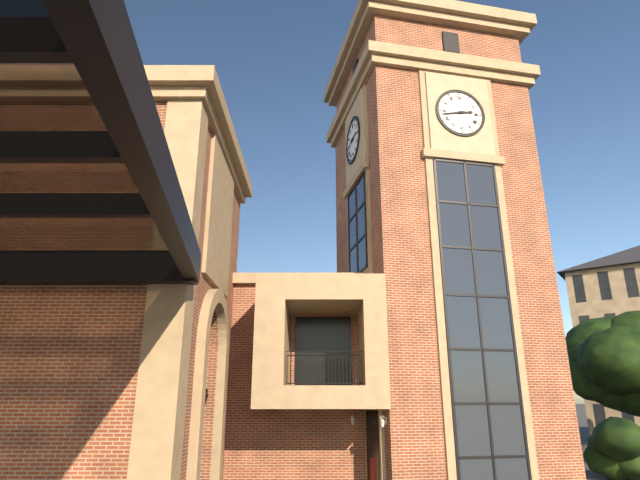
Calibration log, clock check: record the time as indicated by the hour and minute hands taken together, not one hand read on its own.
2:43
